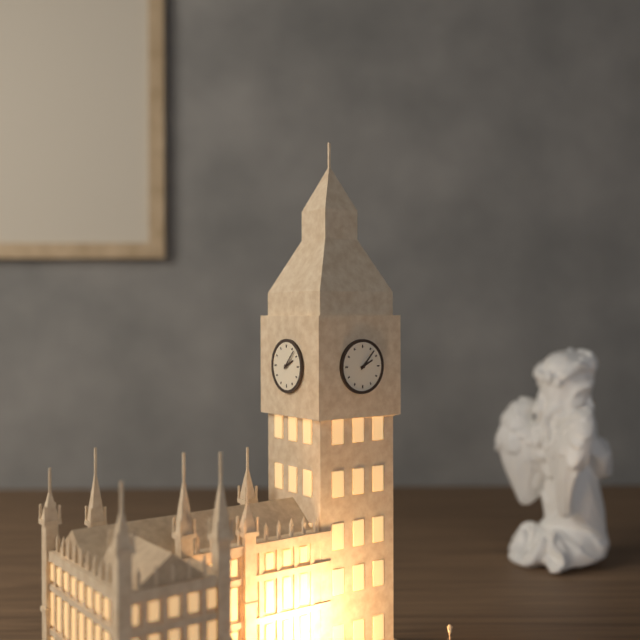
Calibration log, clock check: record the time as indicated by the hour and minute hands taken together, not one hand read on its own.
2:07
